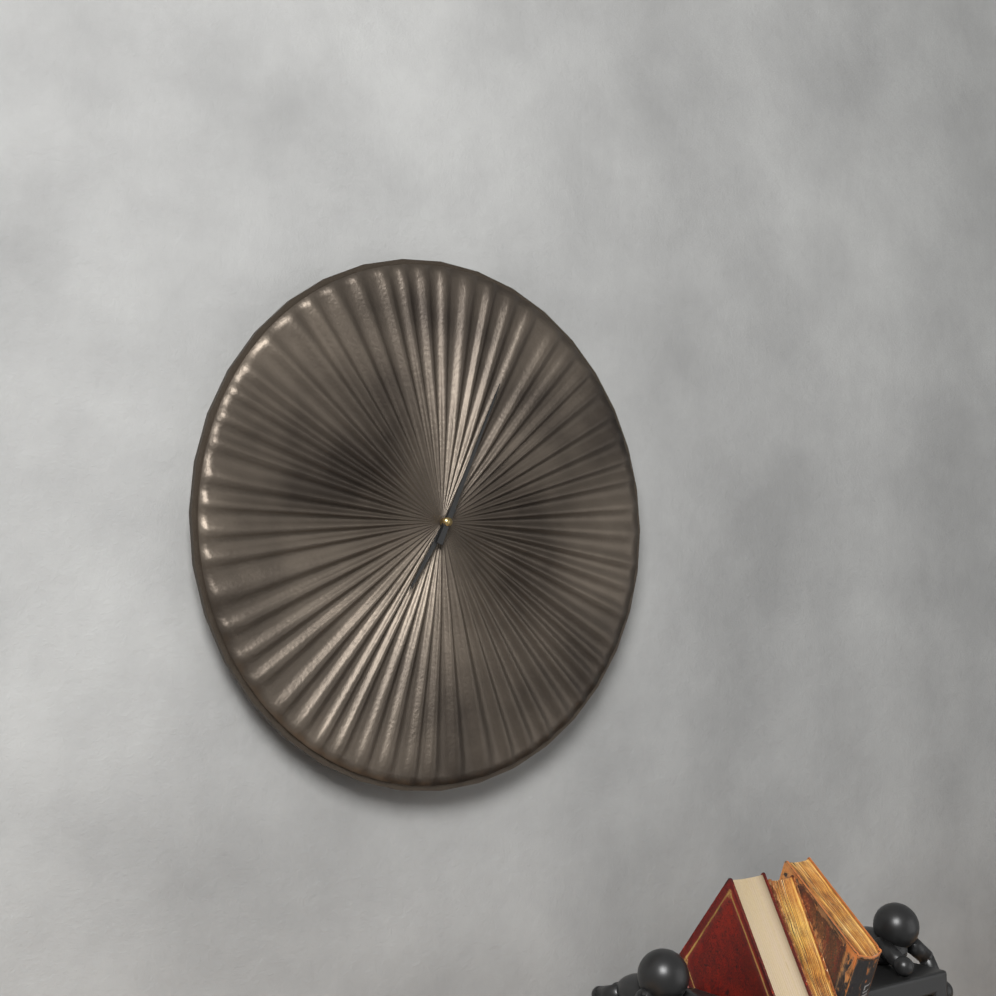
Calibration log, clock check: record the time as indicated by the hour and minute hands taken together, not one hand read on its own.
7:04
